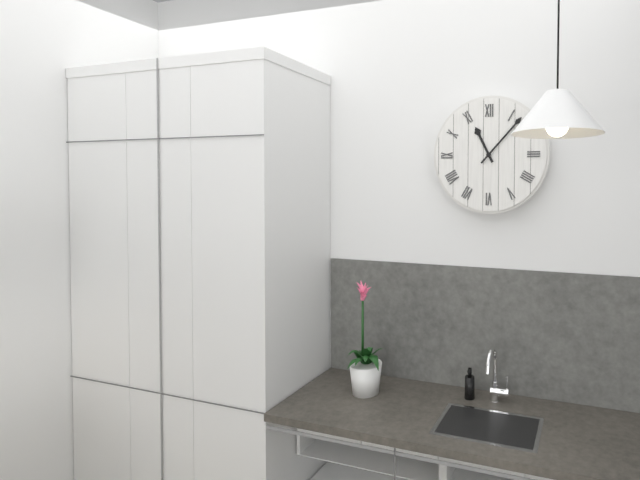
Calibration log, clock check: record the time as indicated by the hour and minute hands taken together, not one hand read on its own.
11:07
